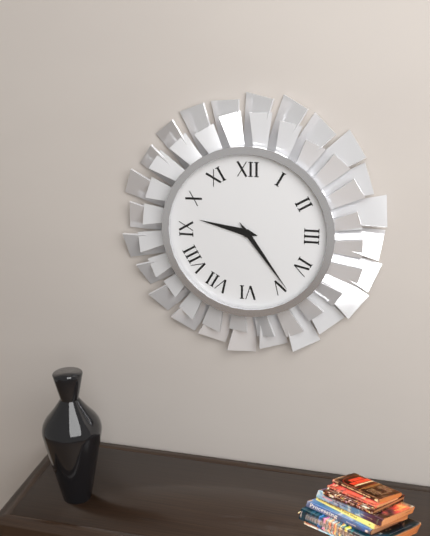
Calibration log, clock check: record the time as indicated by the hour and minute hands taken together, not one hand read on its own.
9:24
